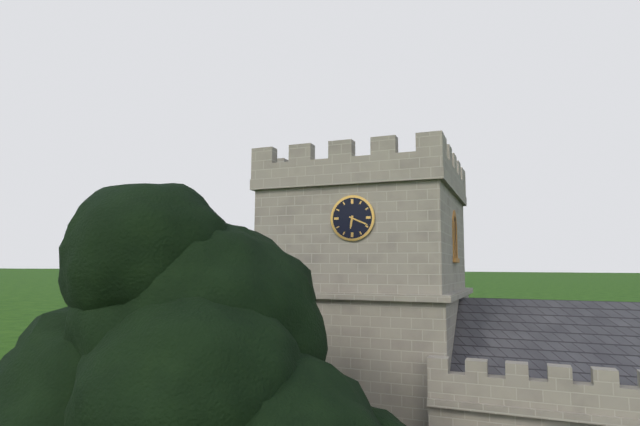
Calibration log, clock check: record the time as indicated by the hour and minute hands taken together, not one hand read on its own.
6:19
